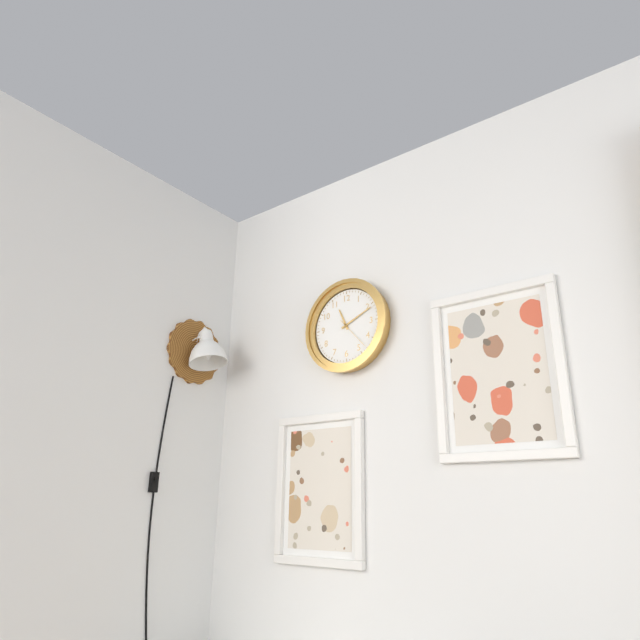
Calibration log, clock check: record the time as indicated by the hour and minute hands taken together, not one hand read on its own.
11:11
